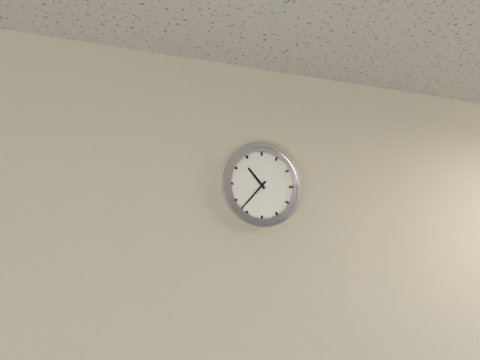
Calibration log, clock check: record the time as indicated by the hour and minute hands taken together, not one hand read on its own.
10:37
